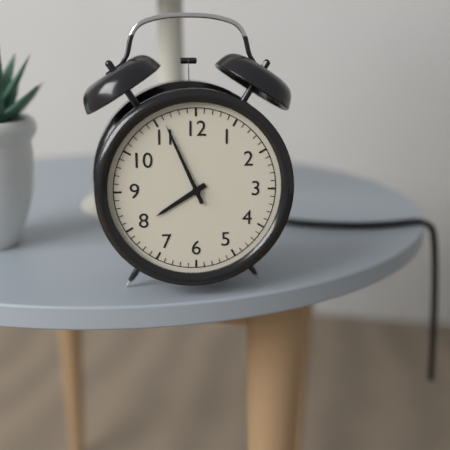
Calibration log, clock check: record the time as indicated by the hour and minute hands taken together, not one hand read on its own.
7:56
